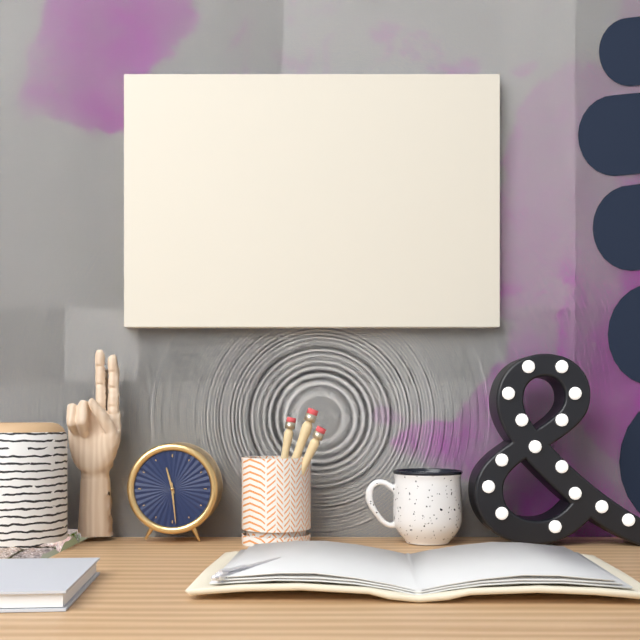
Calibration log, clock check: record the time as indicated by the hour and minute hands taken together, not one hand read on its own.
11:29
